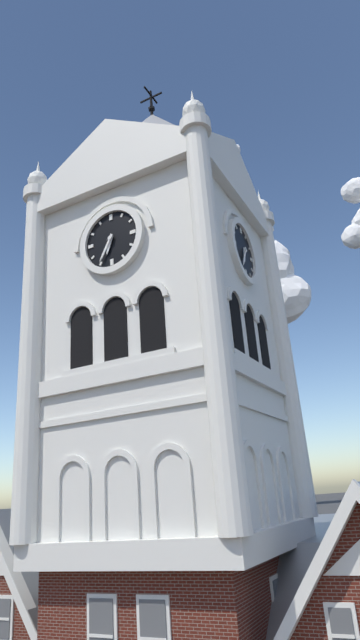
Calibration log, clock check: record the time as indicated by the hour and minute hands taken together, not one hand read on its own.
6:35
